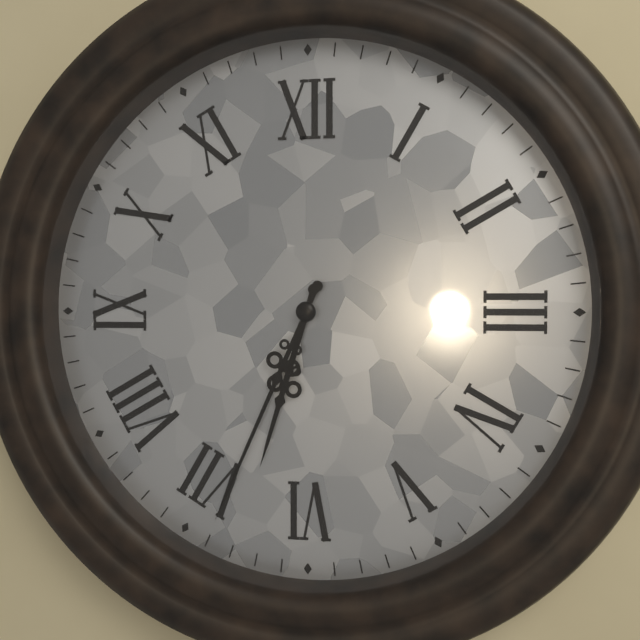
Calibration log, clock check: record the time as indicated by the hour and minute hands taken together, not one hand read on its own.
6:34
